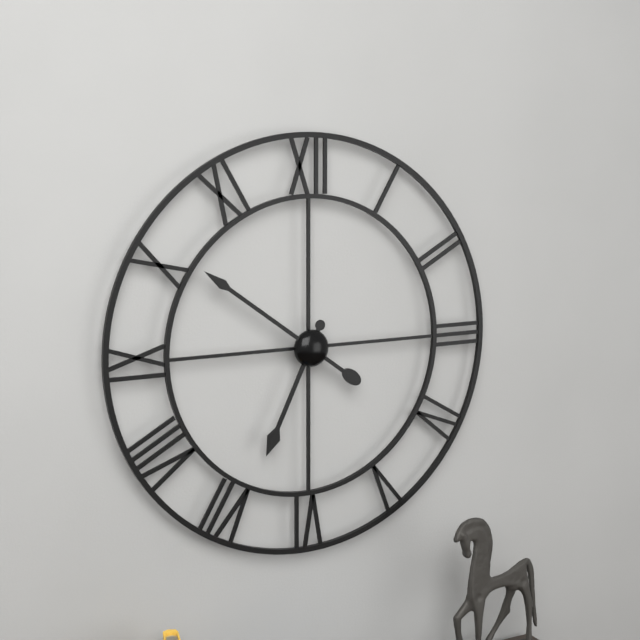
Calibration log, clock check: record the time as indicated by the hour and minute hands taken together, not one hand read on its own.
6:51
